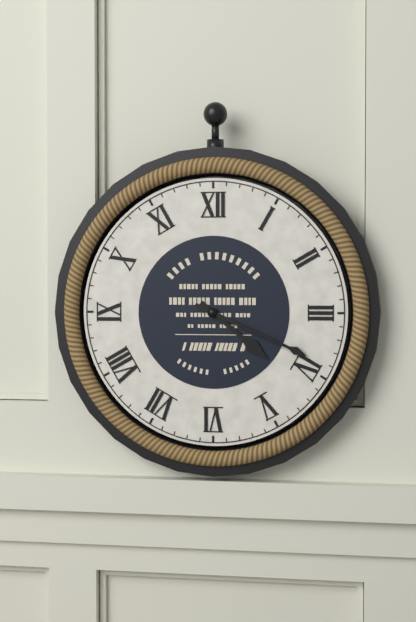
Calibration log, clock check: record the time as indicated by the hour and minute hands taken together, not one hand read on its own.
4:19
